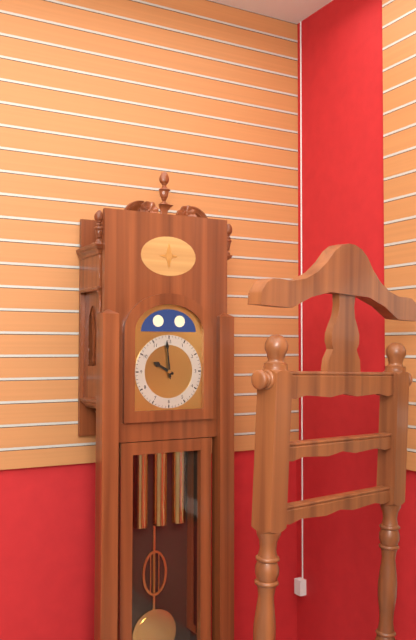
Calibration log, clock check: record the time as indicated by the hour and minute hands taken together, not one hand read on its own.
9:59
